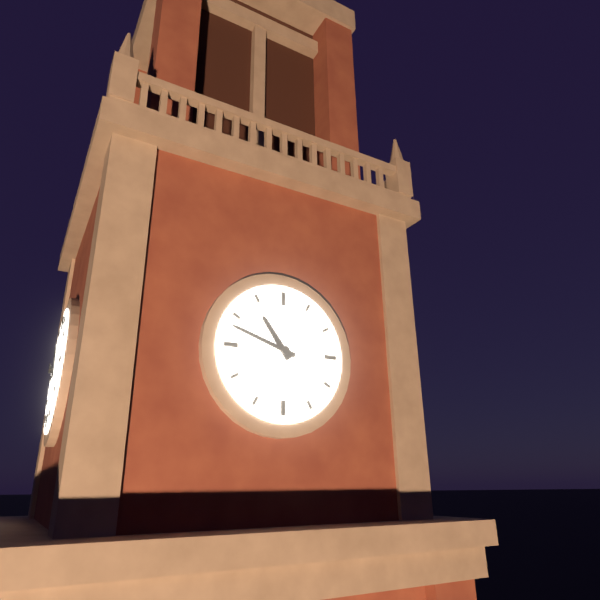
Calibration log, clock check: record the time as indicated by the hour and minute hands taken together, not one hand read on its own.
10:48
